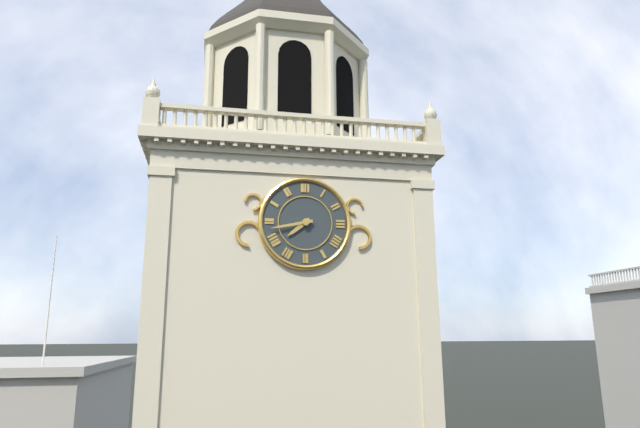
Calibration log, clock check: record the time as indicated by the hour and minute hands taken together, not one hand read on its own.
7:43
